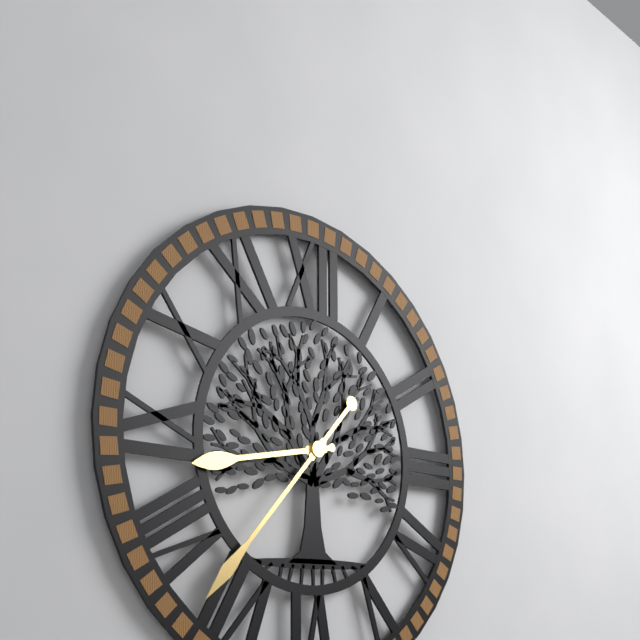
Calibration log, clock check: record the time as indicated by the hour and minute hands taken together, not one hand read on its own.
8:37
